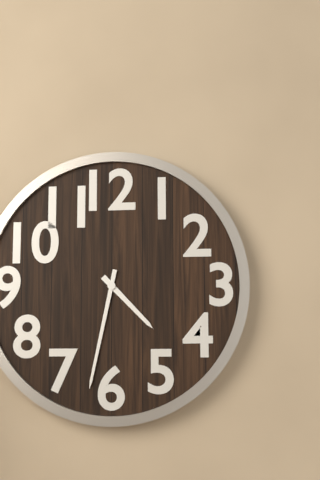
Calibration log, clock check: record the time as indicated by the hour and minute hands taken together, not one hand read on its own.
4:32
